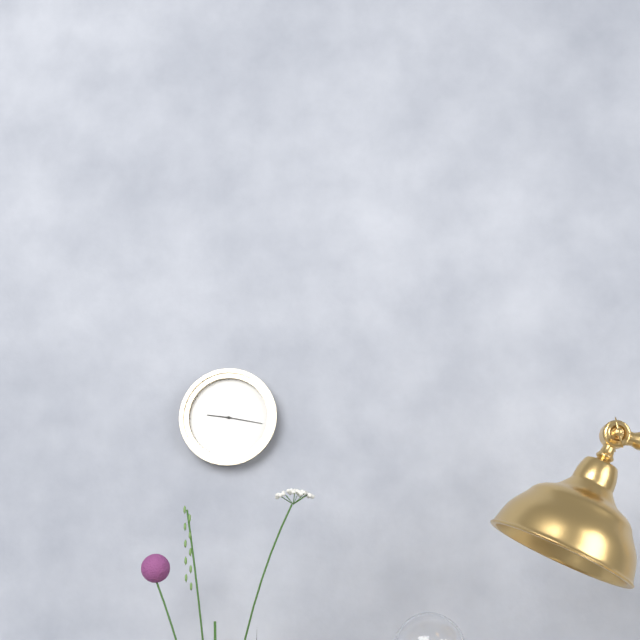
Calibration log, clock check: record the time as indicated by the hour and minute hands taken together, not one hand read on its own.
9:17
